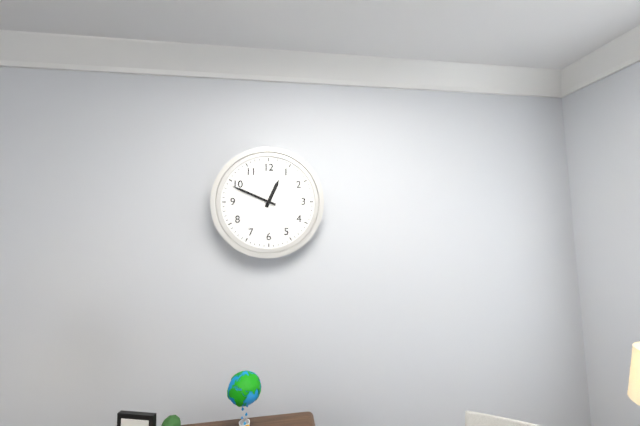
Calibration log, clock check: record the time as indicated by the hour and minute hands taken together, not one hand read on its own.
12:49
